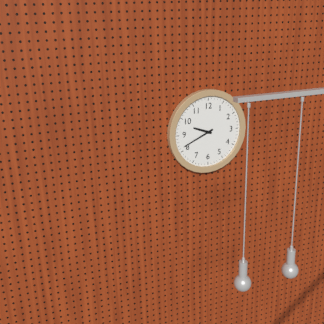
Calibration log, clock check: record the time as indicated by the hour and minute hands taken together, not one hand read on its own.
9:41
